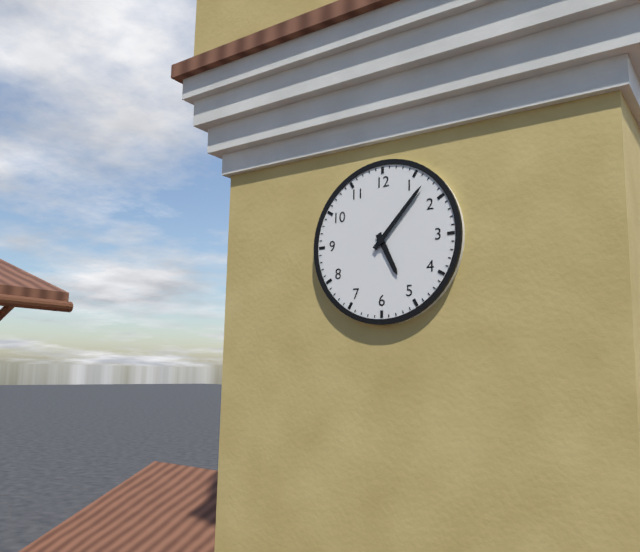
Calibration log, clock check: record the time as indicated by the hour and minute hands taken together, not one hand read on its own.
5:07
